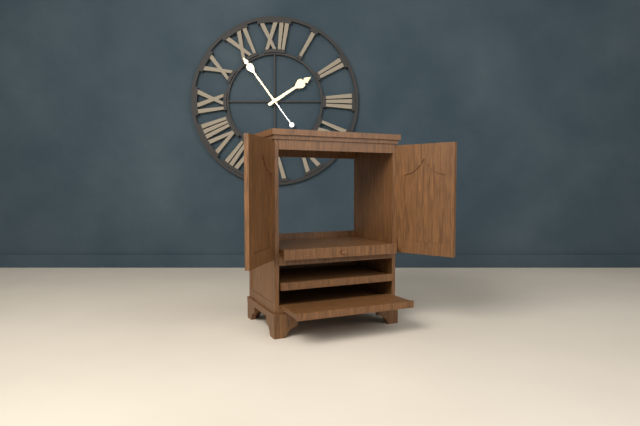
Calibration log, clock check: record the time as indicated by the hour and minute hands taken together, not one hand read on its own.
1:54
